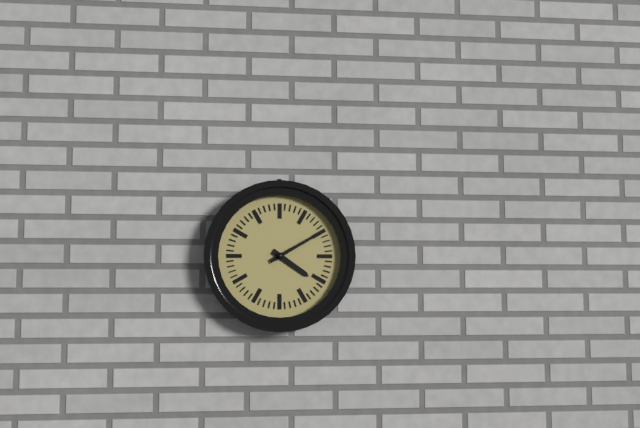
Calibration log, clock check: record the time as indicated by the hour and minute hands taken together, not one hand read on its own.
4:10
